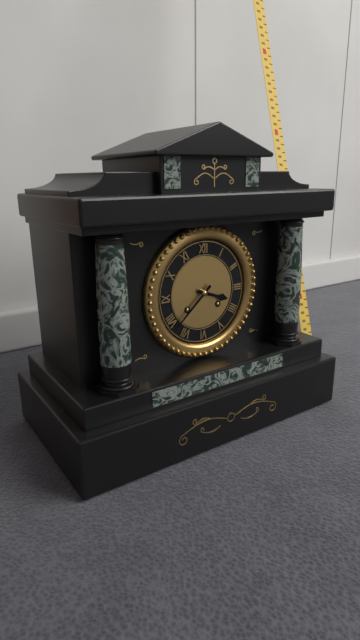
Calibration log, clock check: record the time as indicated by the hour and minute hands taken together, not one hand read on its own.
3:38
